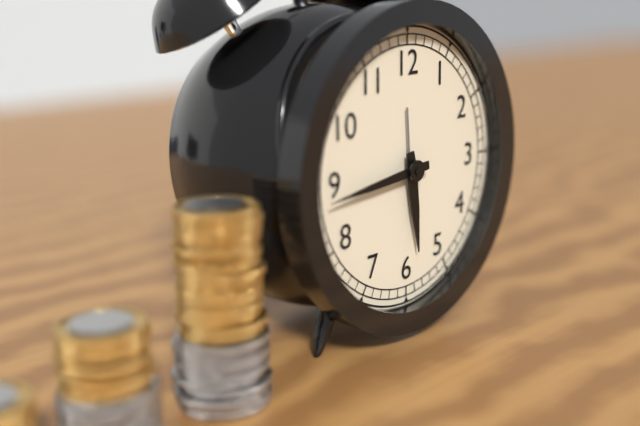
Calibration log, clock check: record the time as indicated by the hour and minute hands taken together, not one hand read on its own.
5:44
